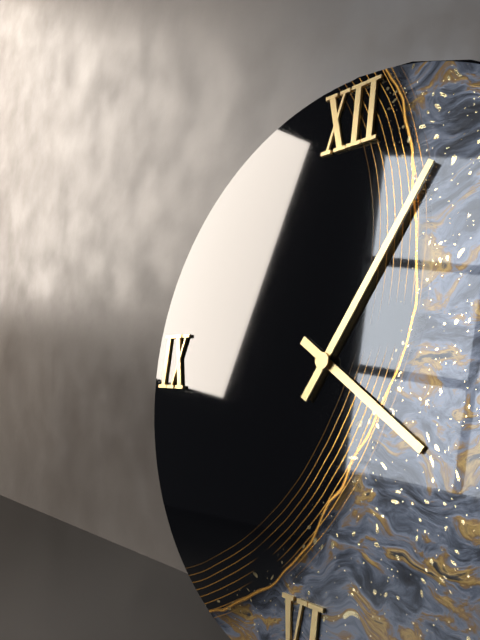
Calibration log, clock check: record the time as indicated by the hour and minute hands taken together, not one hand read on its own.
4:05
